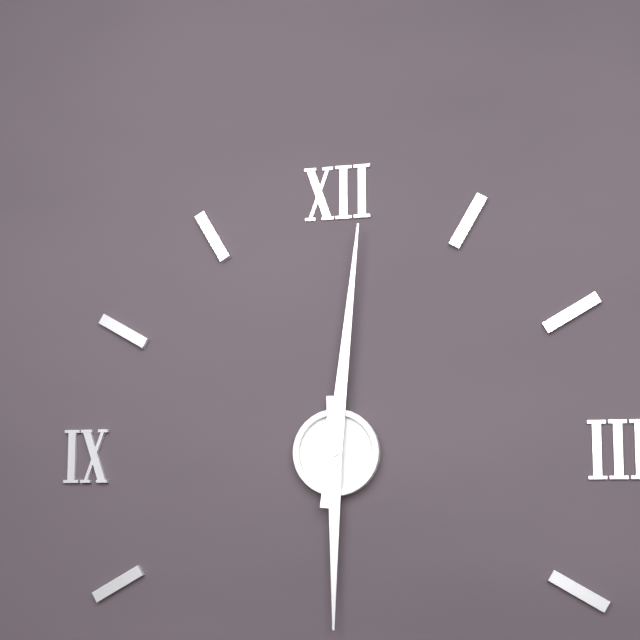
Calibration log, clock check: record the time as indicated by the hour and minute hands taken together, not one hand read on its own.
6:01
